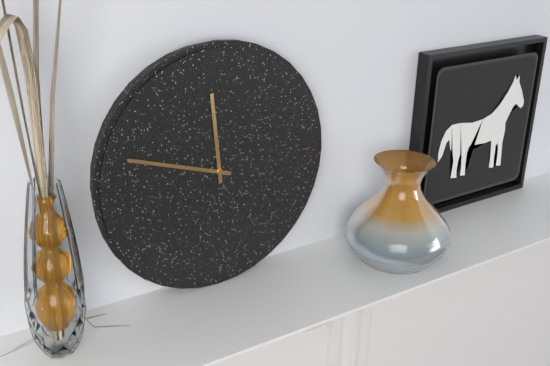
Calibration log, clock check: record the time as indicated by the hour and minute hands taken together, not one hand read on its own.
11:48
